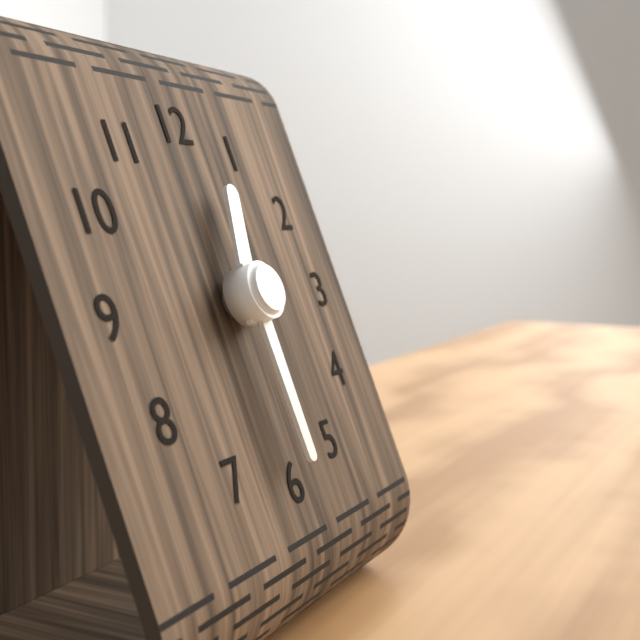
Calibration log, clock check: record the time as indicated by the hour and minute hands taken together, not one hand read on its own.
12:30
